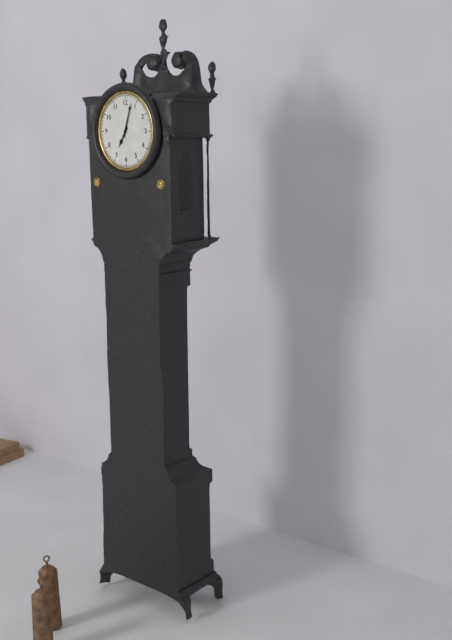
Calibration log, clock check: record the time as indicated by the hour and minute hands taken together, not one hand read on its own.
7:03
